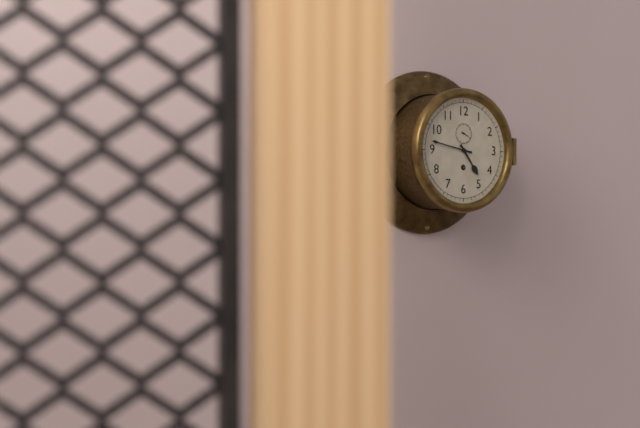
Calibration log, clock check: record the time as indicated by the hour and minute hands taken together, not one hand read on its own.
4:47
